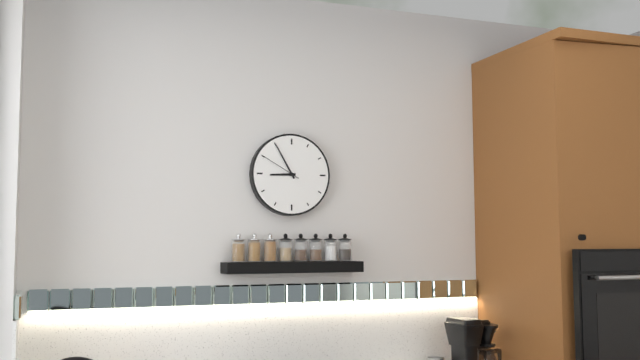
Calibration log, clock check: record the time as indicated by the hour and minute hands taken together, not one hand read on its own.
8:55
